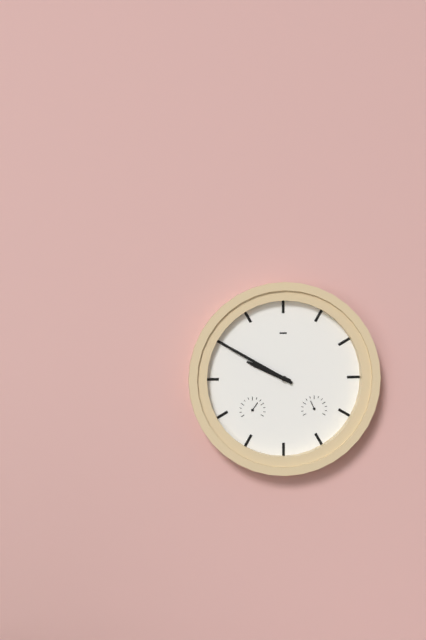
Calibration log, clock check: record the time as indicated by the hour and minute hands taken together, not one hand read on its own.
9:50
